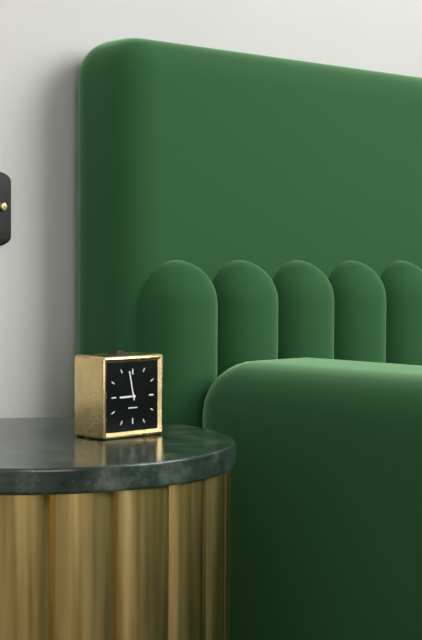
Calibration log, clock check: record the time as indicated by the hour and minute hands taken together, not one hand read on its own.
8:58
